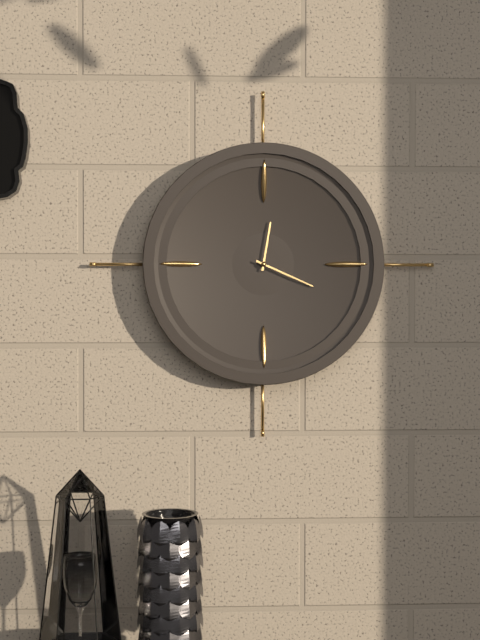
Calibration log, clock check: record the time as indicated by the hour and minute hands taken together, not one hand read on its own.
12:19
